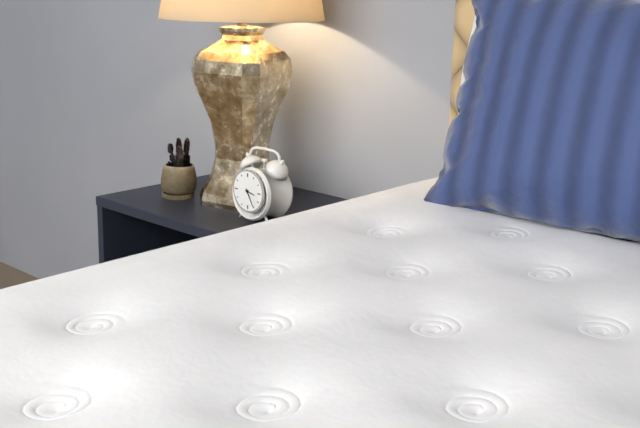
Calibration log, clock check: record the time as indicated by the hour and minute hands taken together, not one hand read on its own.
3:25
